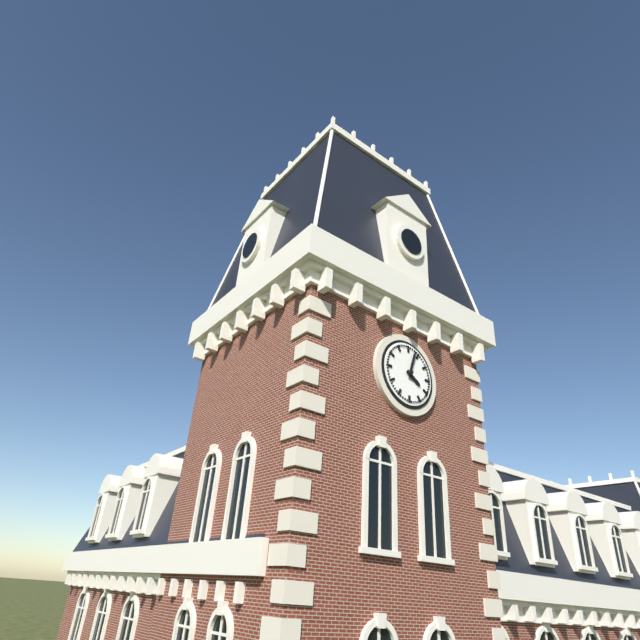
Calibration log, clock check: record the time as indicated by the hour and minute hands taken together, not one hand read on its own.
4:03
